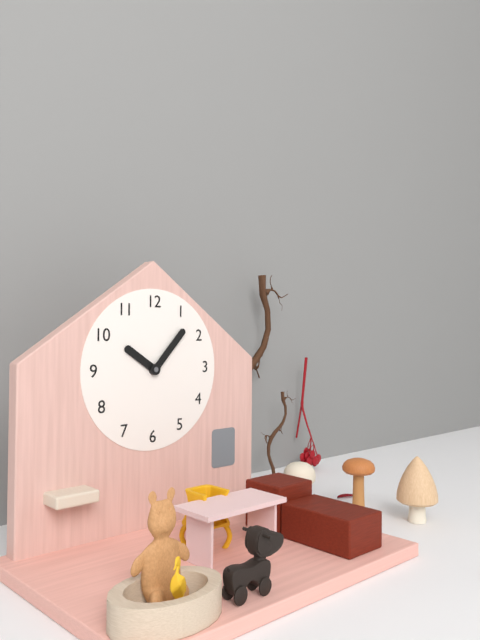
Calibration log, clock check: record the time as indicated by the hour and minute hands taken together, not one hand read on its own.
10:07
